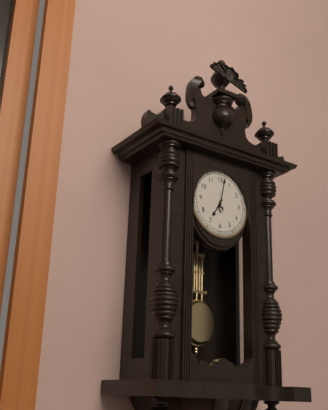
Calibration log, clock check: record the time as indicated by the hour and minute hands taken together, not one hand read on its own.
7:02
